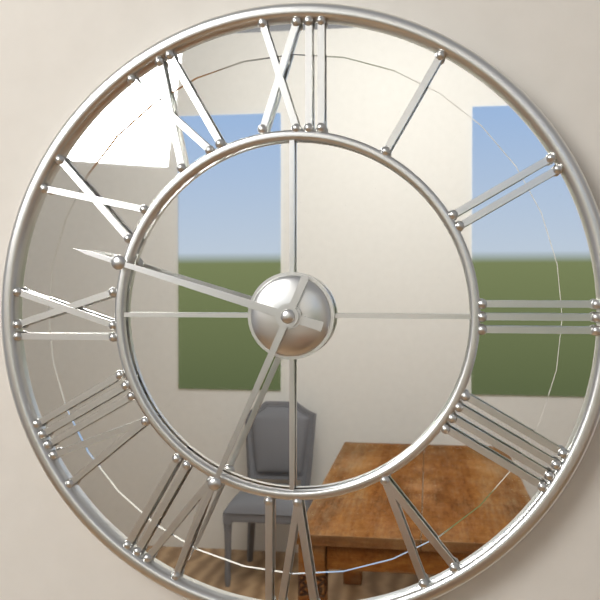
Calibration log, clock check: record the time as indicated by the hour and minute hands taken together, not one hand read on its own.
9:34
